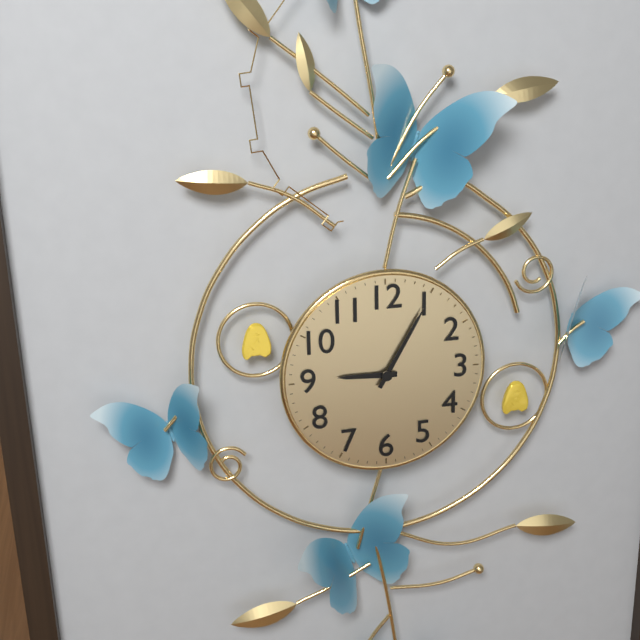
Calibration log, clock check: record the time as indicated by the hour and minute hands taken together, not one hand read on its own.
9:05
